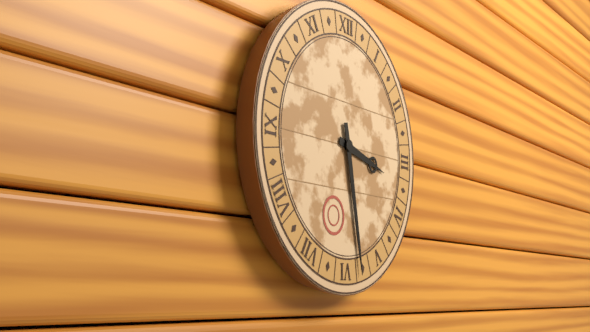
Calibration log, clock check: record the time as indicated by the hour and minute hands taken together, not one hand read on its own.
3:28
